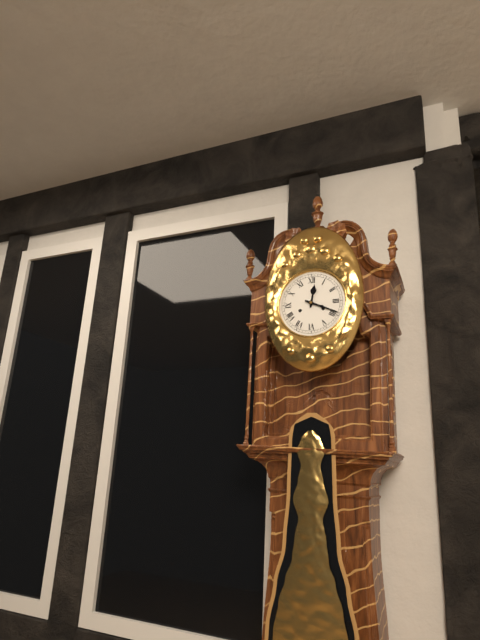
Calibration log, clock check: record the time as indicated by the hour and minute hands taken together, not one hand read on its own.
12:19
